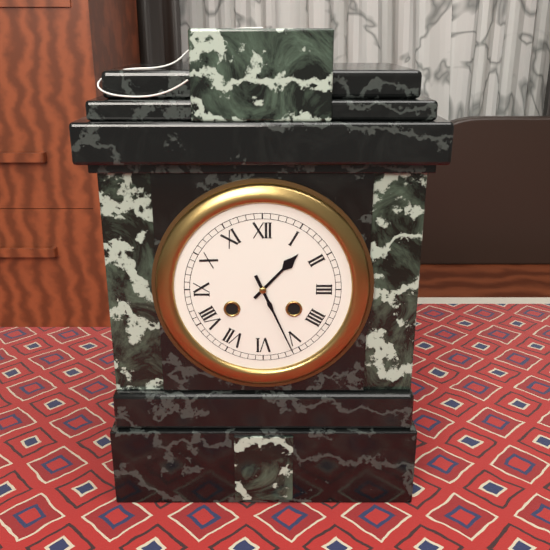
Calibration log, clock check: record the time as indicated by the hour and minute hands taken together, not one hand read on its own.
1:26
